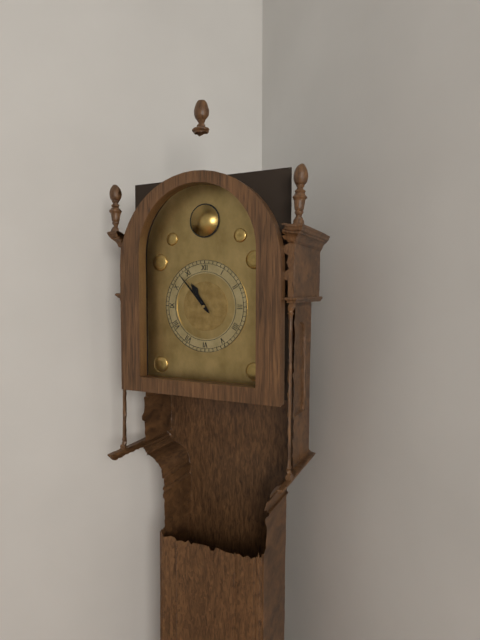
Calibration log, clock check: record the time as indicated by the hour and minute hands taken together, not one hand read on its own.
10:53
